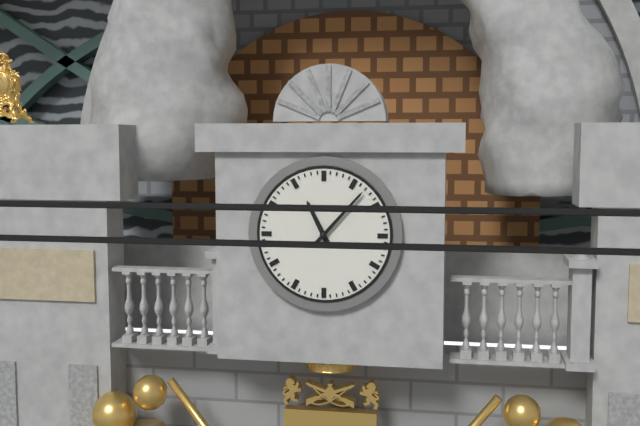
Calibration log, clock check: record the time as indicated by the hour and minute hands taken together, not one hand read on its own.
11:07
